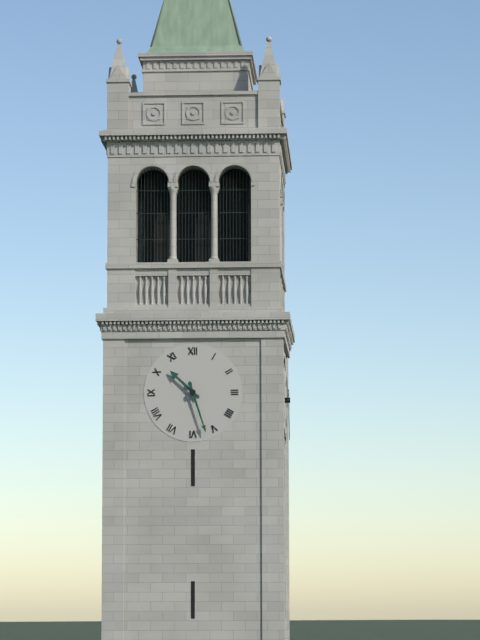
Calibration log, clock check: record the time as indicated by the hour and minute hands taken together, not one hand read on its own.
10:27
